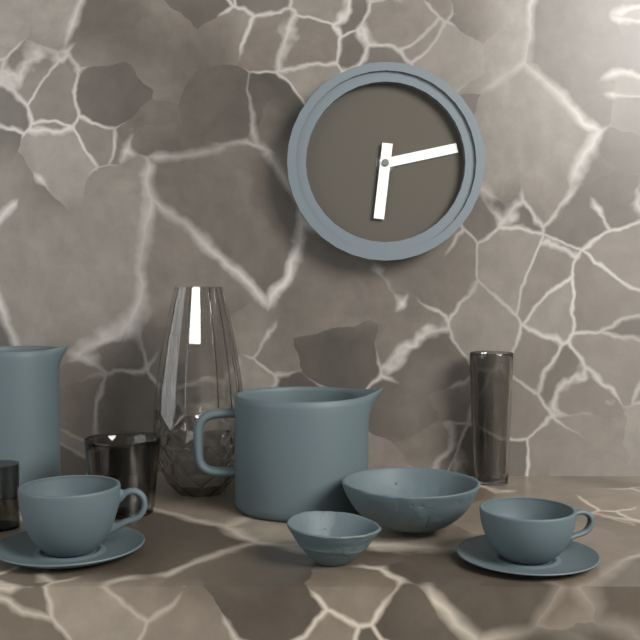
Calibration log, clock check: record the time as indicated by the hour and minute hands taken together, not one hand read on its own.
6:13
